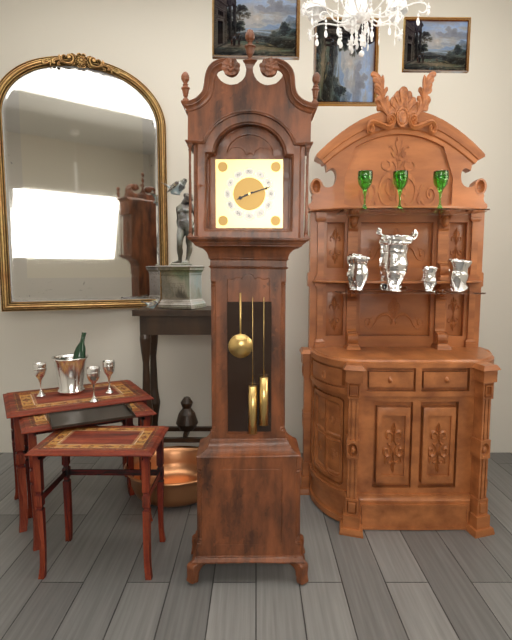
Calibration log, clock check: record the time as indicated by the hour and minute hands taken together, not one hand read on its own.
8:12
